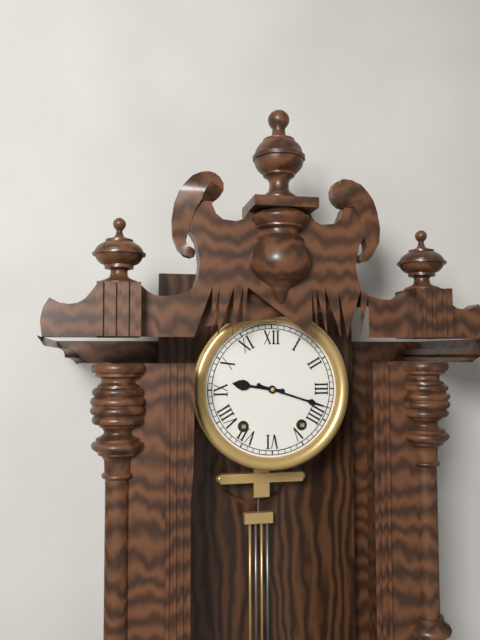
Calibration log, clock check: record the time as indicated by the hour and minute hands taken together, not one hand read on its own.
9:18
